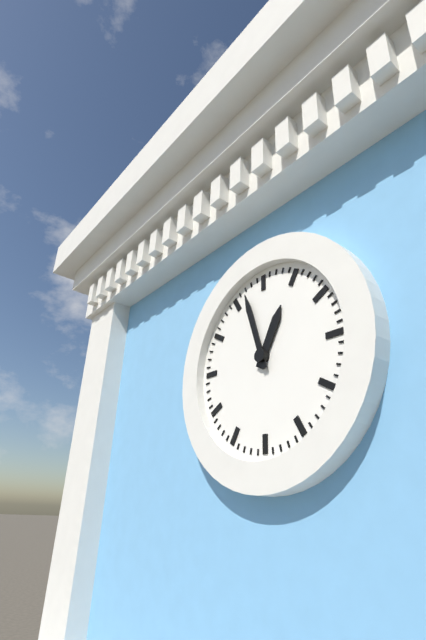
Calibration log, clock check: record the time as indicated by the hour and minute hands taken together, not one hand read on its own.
12:57
